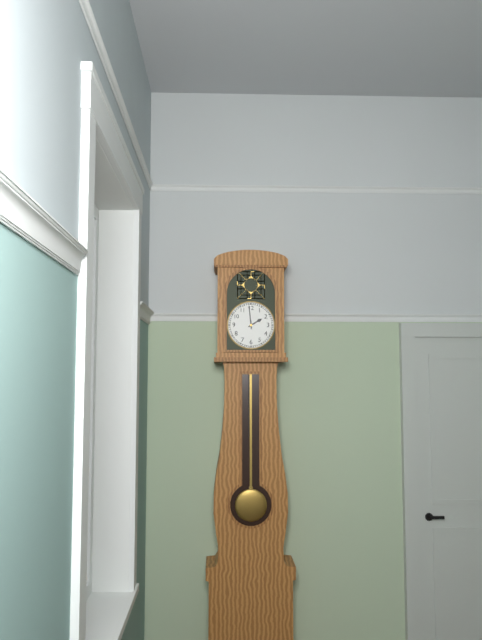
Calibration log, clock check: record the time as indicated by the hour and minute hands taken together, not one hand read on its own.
1:59
